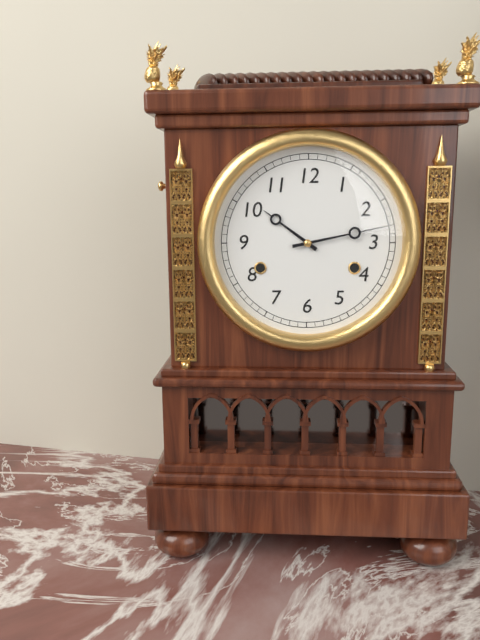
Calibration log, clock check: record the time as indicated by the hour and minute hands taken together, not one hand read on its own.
10:13
